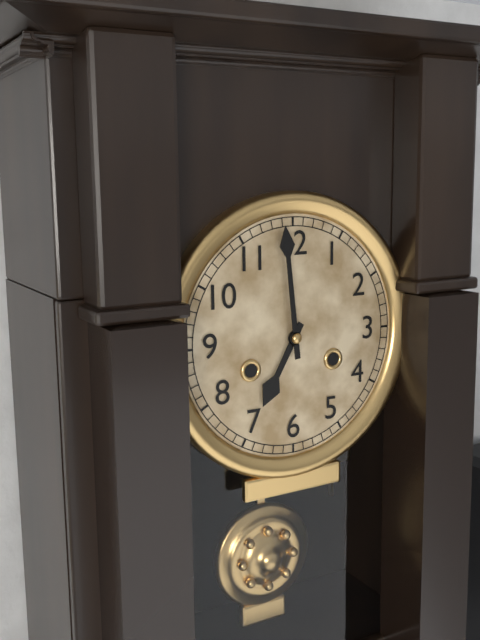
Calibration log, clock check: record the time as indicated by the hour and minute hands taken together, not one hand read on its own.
6:59
